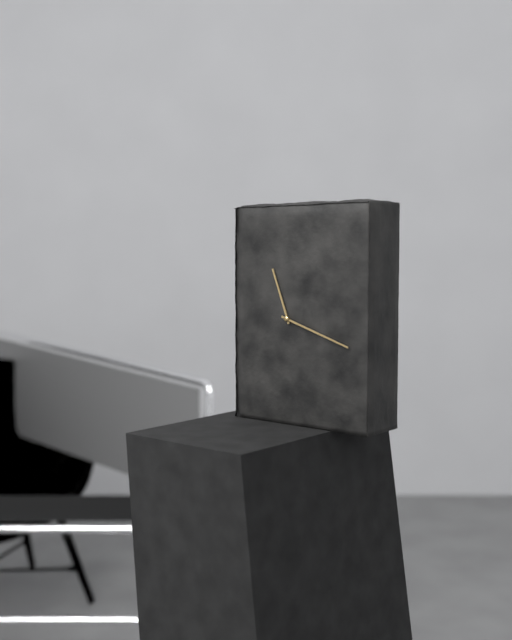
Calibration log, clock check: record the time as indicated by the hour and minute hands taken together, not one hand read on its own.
11:18
